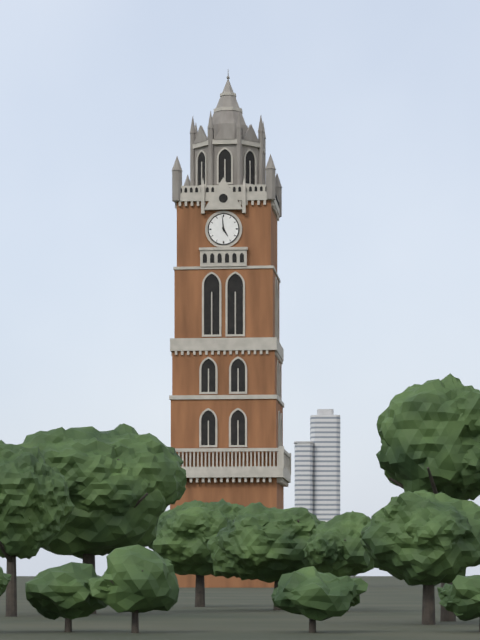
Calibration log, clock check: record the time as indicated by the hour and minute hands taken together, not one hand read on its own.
4:59
